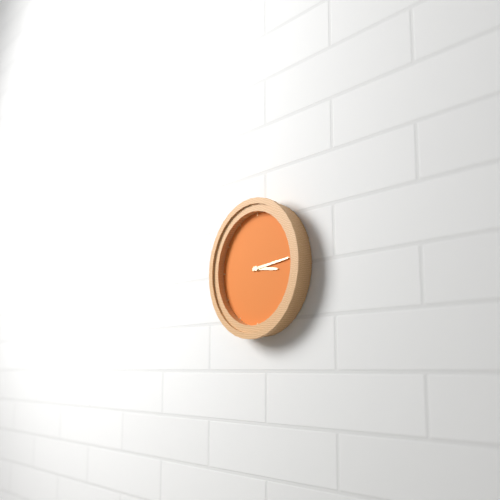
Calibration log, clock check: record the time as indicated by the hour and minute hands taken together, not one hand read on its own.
3:14
